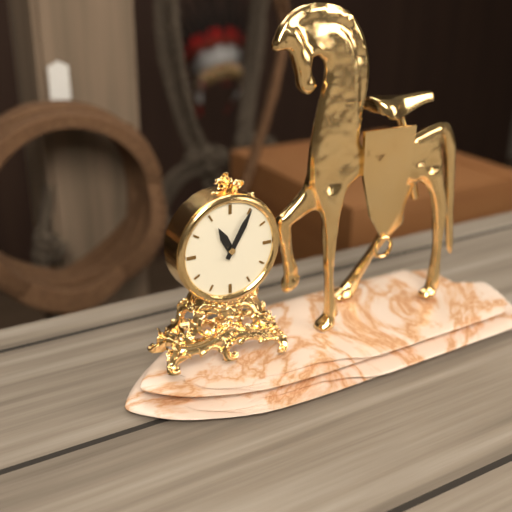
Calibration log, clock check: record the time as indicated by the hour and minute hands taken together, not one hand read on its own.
11:05
